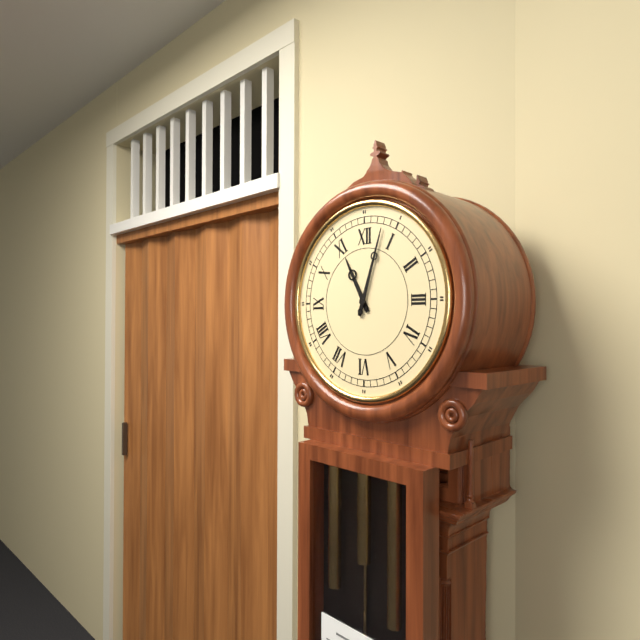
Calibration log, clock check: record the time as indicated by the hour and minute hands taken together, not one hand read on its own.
11:03
